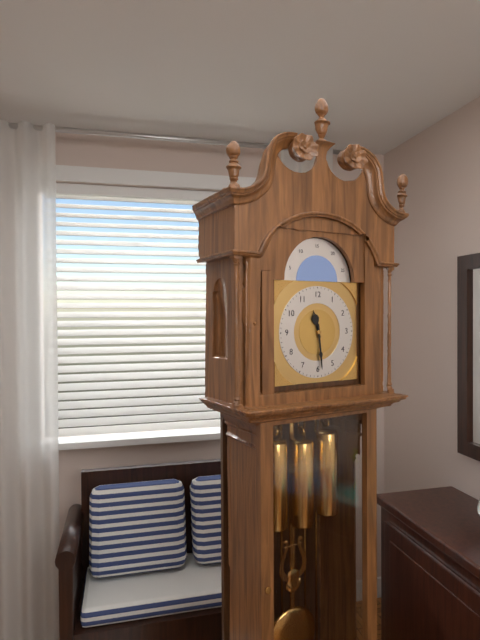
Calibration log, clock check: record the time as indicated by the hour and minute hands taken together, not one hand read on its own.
11:29
